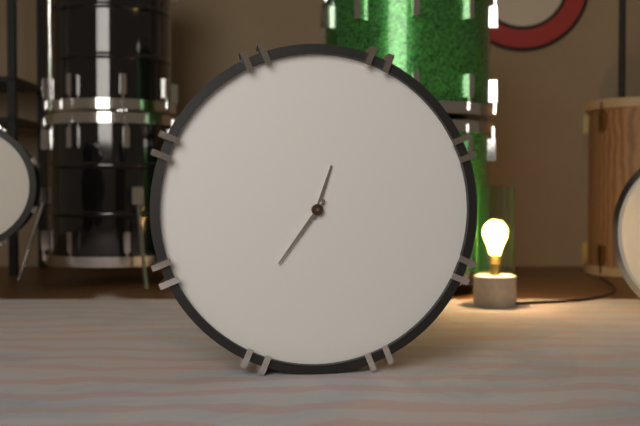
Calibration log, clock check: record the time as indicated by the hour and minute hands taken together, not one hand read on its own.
12:36
